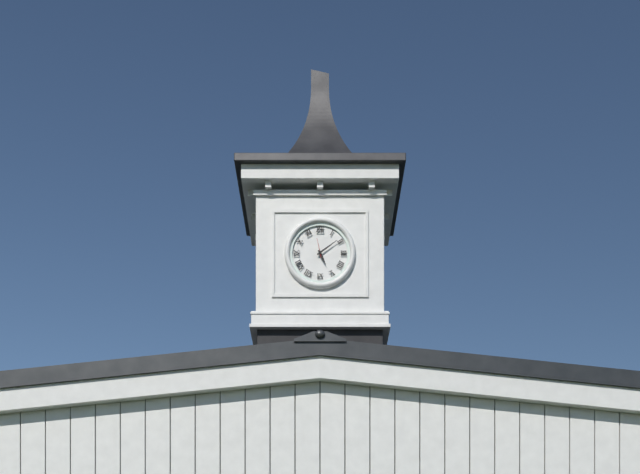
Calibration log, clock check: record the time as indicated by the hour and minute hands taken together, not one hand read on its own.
5:09
